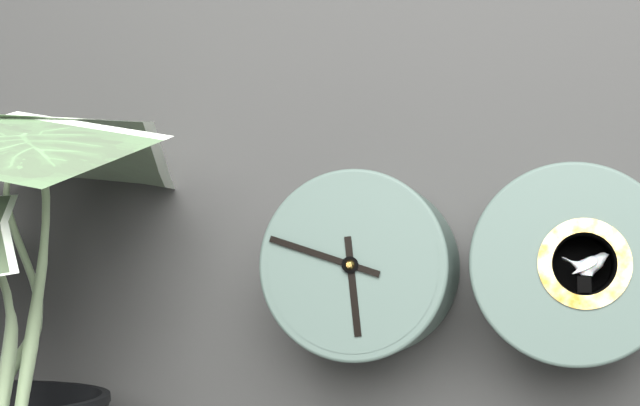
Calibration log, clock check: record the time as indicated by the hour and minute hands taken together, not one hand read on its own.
5:48
